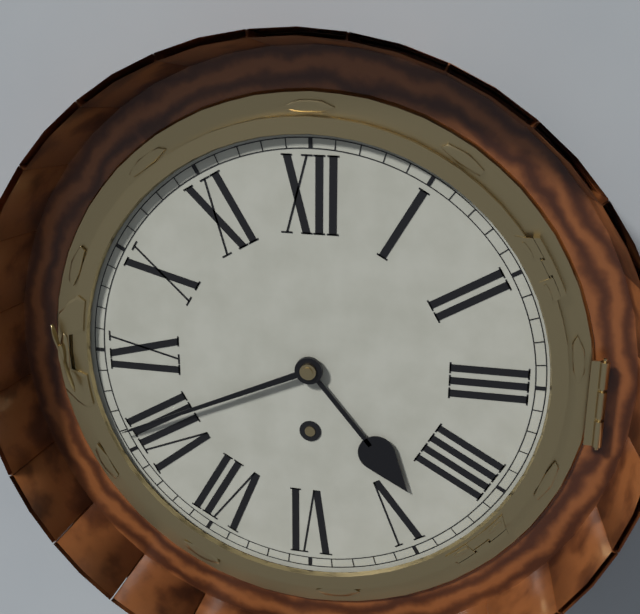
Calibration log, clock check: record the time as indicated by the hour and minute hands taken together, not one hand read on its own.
4:41
